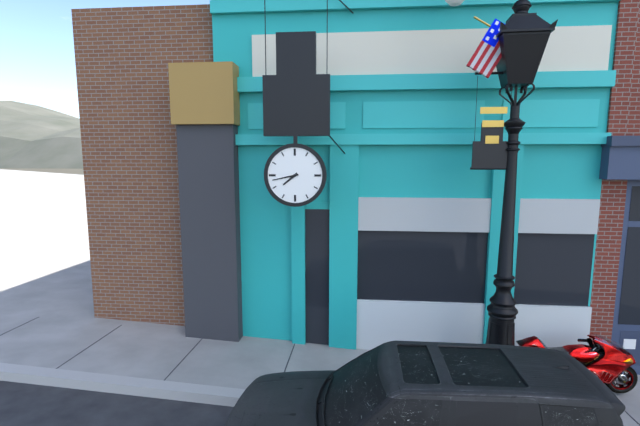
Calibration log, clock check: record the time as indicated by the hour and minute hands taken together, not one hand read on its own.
7:43
